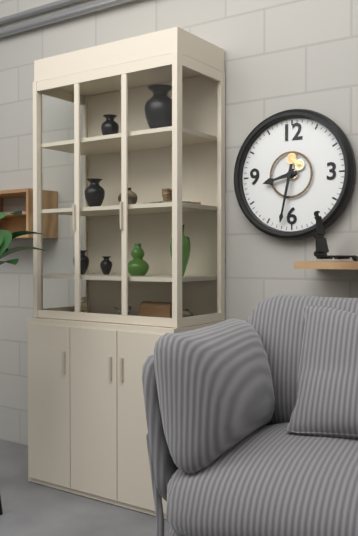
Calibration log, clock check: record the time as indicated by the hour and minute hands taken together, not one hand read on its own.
8:32
